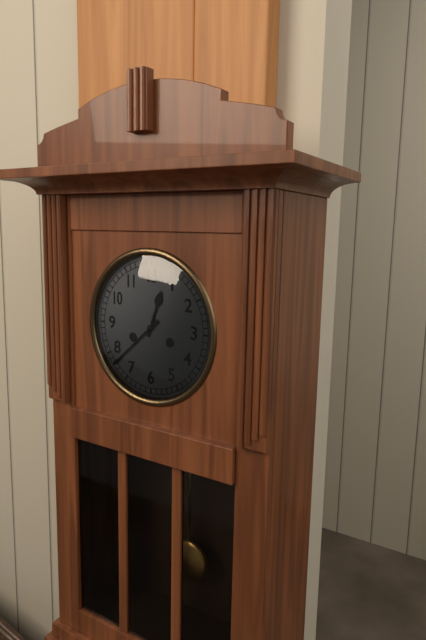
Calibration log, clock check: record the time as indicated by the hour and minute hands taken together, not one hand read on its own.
12:38
